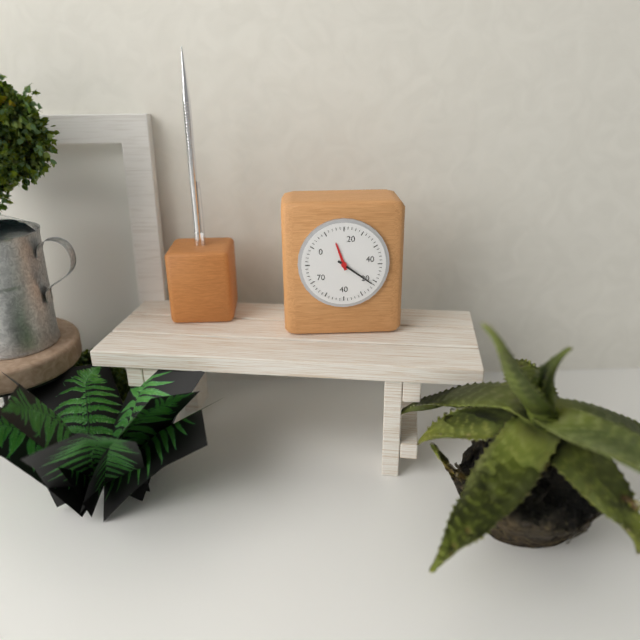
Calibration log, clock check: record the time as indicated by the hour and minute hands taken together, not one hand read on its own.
11:21
